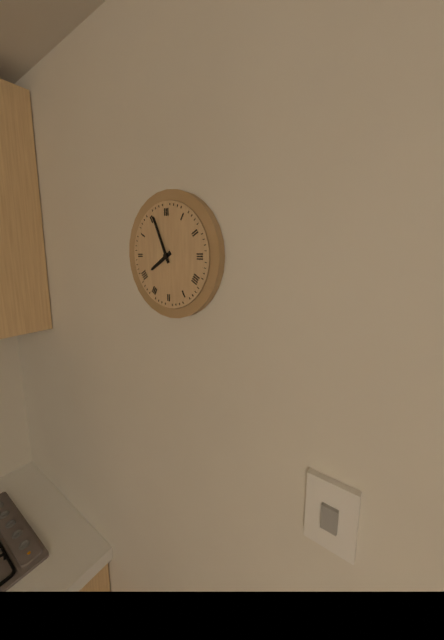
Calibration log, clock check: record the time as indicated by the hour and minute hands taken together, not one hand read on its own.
7:56
